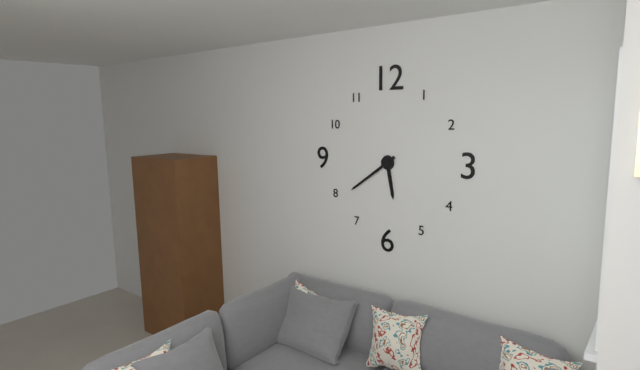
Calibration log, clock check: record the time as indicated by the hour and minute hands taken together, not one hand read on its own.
5:39
